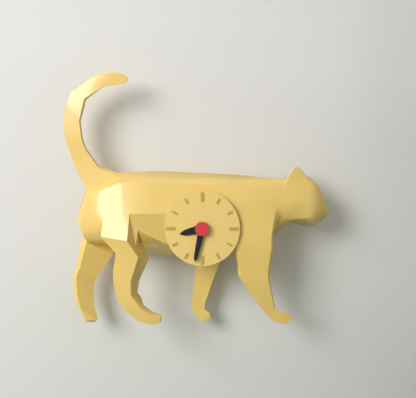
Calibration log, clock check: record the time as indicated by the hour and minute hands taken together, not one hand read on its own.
8:32
